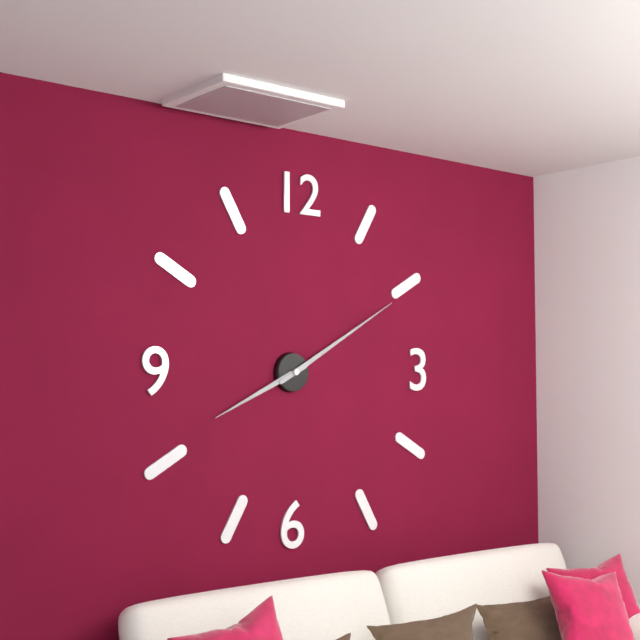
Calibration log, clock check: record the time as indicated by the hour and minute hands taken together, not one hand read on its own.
8:10
